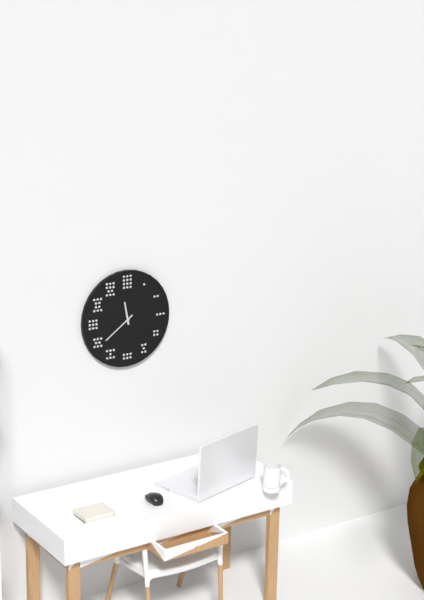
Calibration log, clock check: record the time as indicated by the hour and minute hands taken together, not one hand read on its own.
11:39
